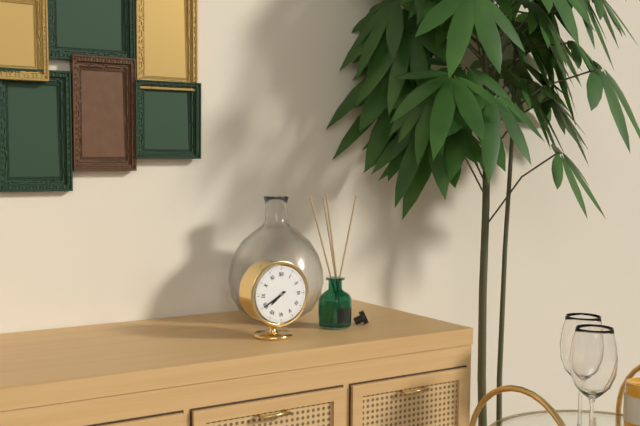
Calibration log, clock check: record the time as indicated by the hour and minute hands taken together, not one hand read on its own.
7:40
